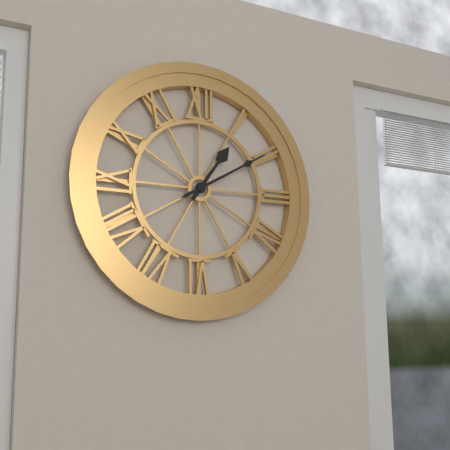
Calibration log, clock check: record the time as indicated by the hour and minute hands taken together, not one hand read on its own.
1:10
